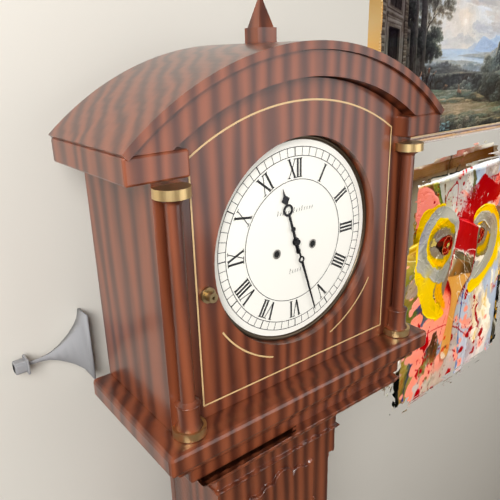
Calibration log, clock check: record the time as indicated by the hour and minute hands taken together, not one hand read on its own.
11:27
